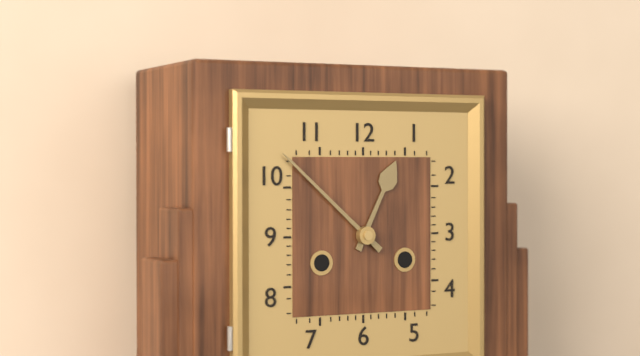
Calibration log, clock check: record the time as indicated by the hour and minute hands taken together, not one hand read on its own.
12:52
